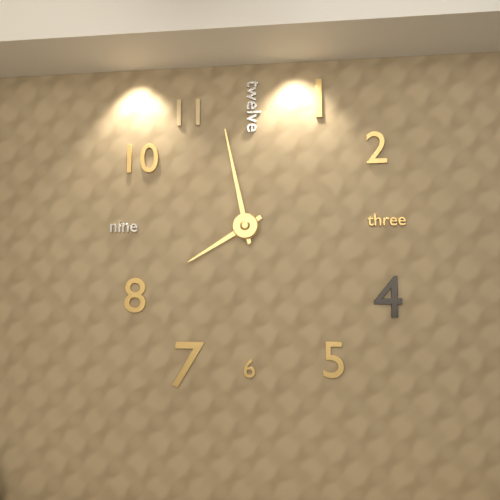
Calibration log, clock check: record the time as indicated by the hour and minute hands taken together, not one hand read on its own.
7:58
